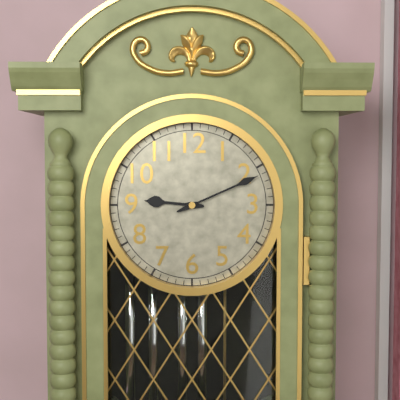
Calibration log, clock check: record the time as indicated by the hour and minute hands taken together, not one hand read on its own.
9:11
